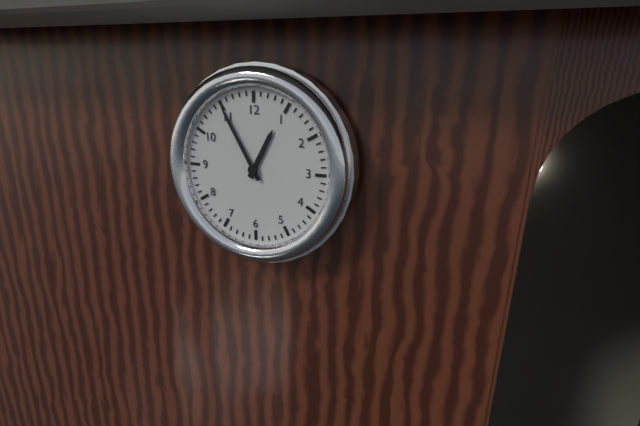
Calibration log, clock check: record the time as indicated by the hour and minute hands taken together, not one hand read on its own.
12:55
